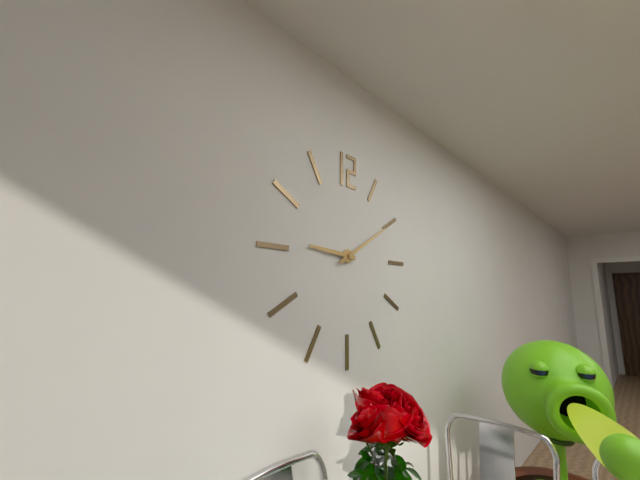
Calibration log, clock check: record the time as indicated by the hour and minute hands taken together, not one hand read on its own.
9:10
